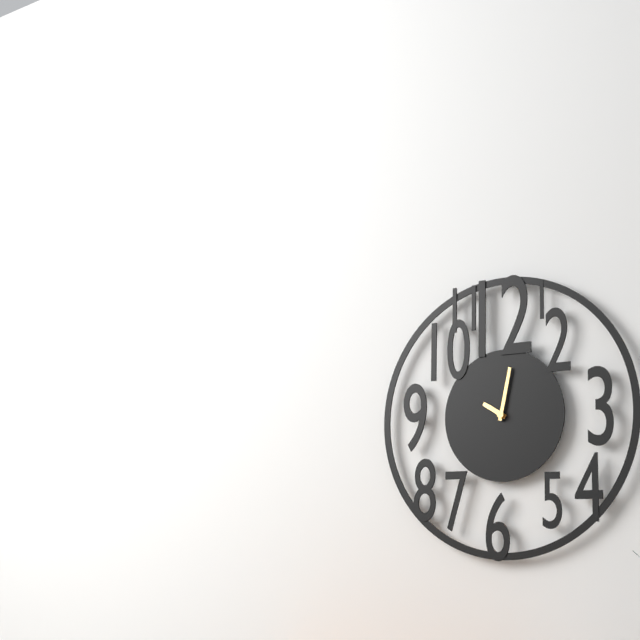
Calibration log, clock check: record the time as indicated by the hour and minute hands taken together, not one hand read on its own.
10:02
